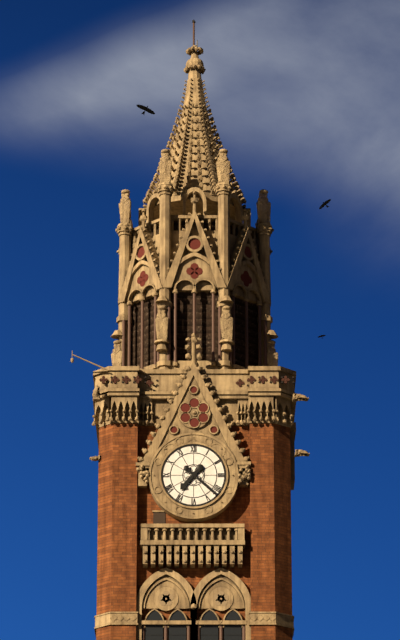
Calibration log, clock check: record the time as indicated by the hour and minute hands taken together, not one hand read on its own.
7:22
